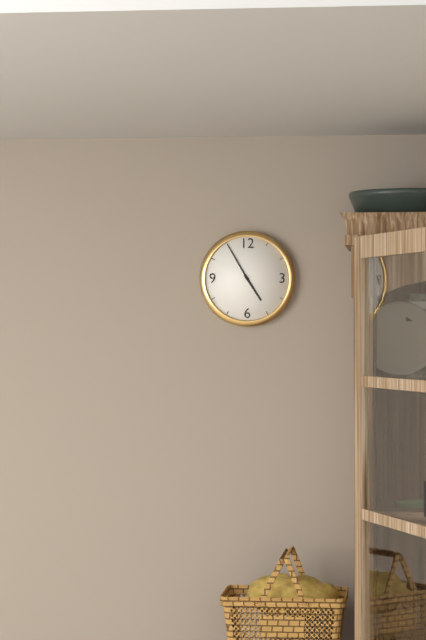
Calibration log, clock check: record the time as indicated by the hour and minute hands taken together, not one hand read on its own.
4:55
